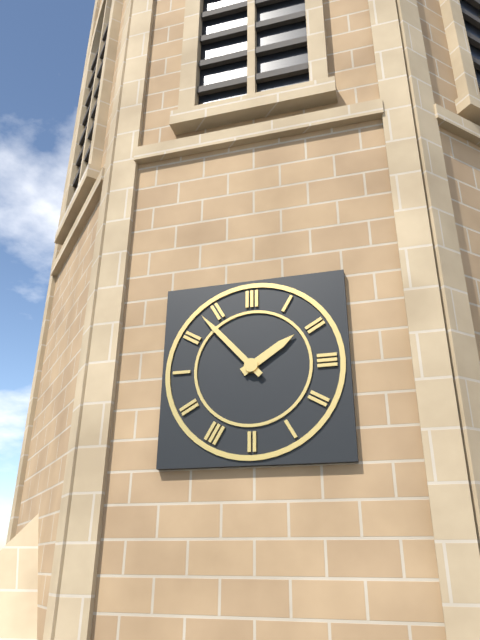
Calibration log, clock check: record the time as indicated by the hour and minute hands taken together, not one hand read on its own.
1:53
